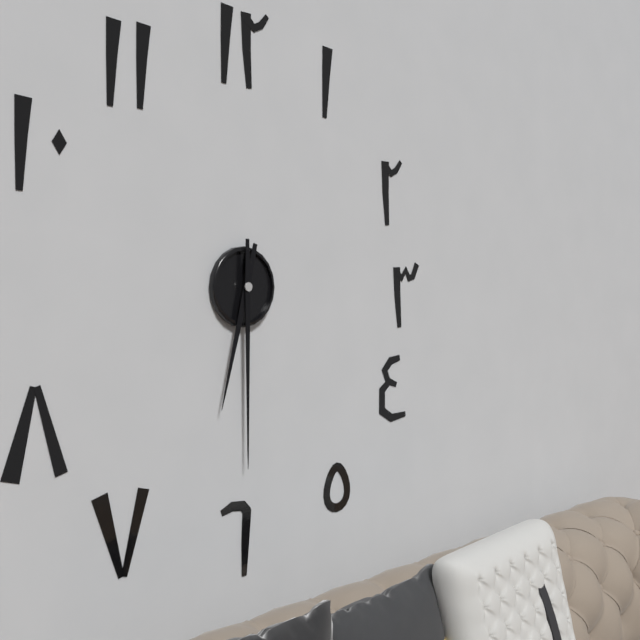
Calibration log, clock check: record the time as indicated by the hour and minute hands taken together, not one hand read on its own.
6:30
